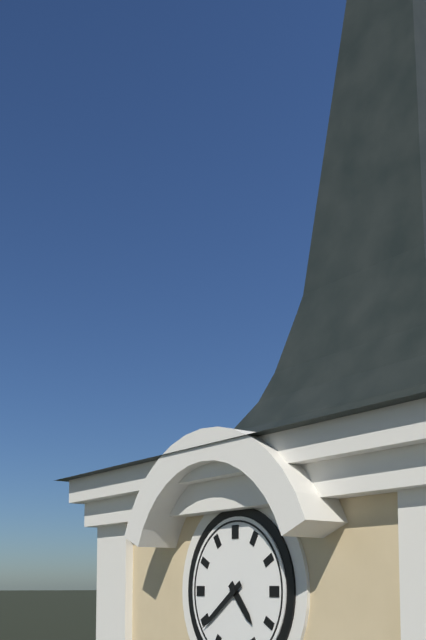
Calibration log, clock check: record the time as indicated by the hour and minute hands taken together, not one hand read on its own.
4:39
